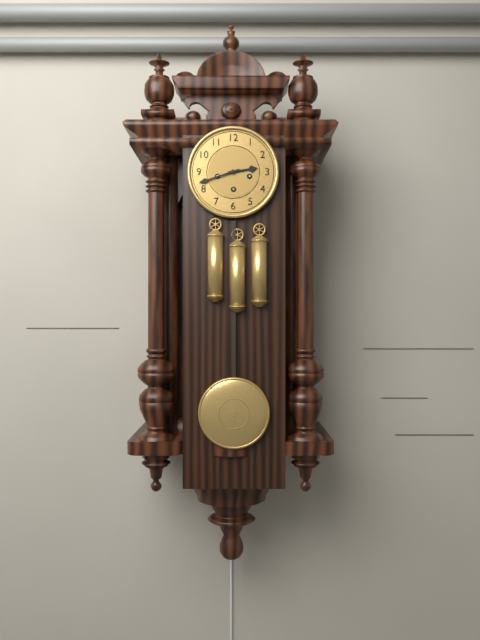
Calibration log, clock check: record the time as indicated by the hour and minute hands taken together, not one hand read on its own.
2:42
